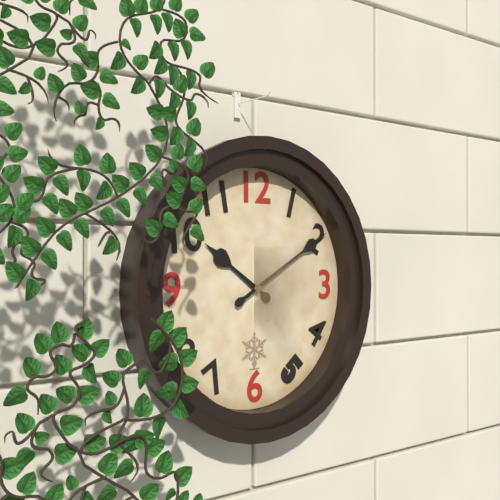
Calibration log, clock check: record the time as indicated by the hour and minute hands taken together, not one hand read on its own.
10:10
